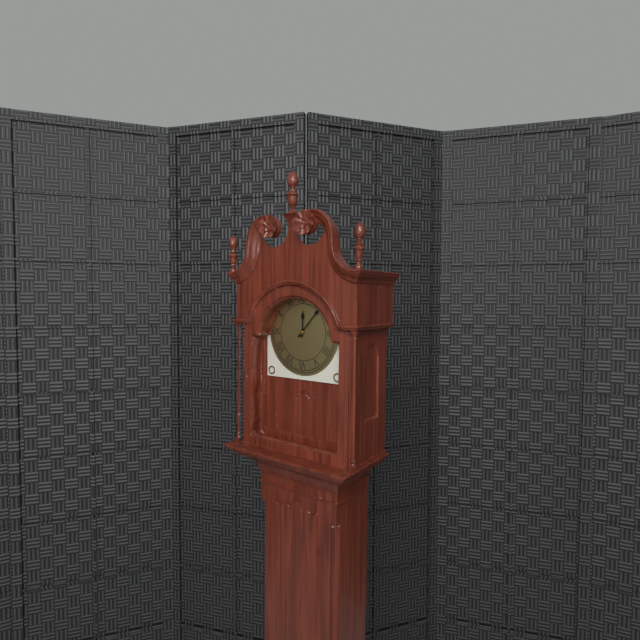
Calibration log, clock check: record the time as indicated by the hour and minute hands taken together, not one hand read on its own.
12:07
